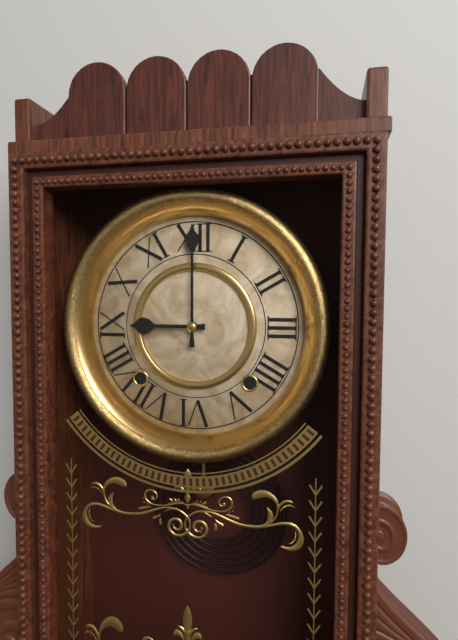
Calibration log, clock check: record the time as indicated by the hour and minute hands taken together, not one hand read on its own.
9:00
